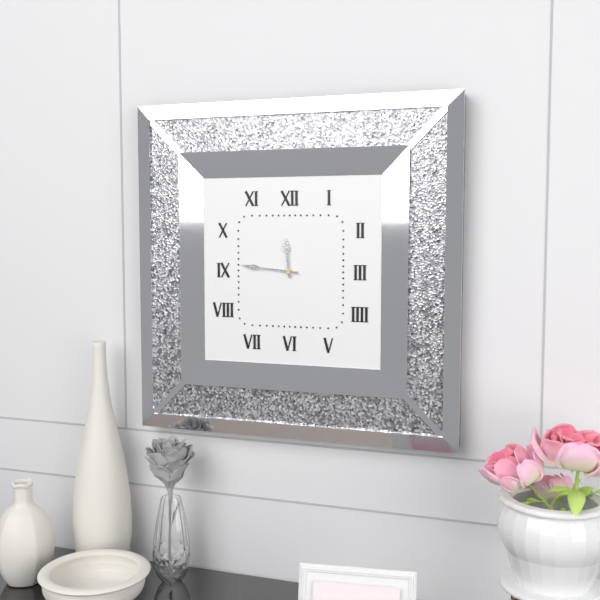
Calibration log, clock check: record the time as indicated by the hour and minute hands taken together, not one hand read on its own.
11:46
